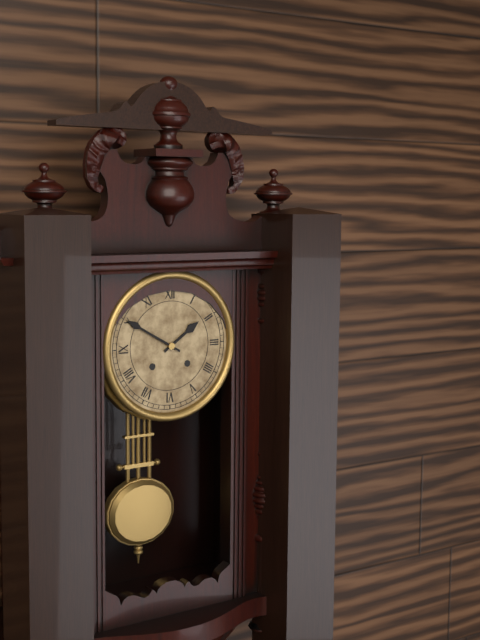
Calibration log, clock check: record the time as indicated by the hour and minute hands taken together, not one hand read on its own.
1:50
